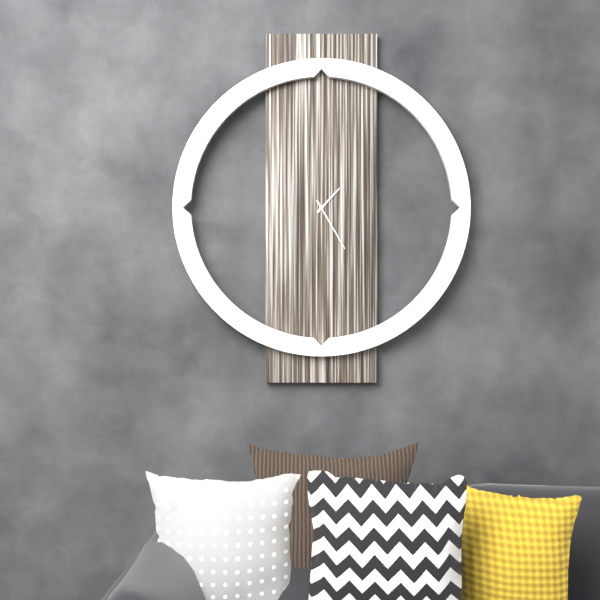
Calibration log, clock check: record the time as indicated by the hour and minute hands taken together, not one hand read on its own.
1:25
